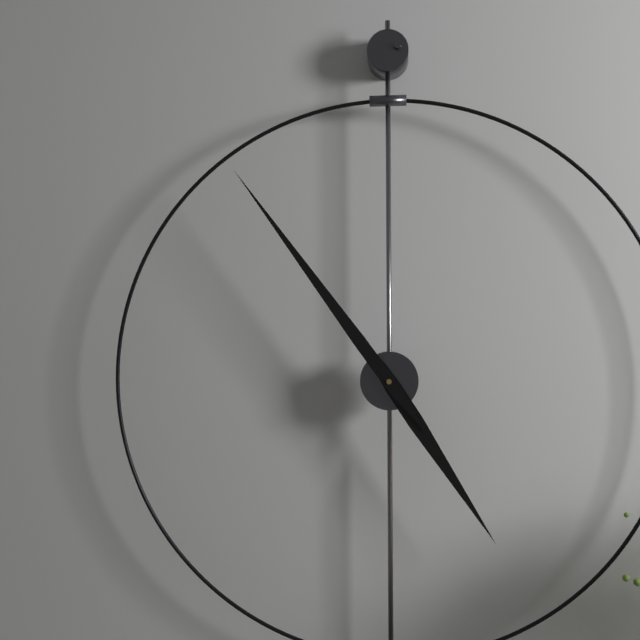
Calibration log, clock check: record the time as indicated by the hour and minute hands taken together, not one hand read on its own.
4:54
